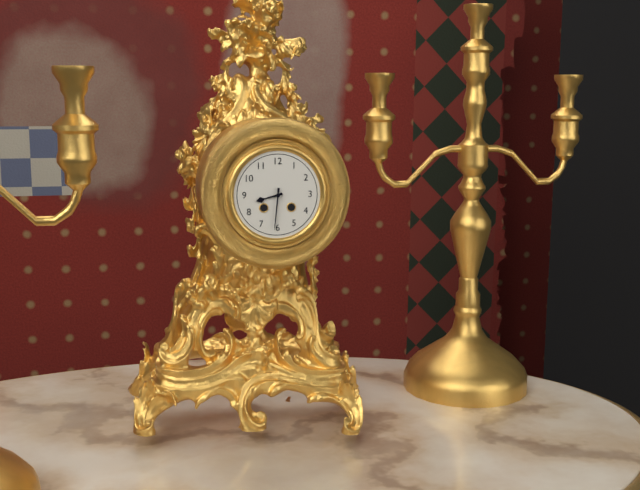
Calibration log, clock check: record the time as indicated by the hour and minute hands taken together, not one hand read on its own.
8:31
